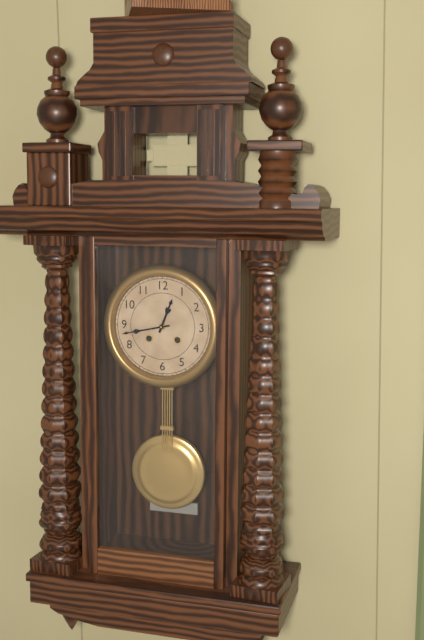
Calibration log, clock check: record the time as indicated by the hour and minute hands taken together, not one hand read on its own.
12:43
